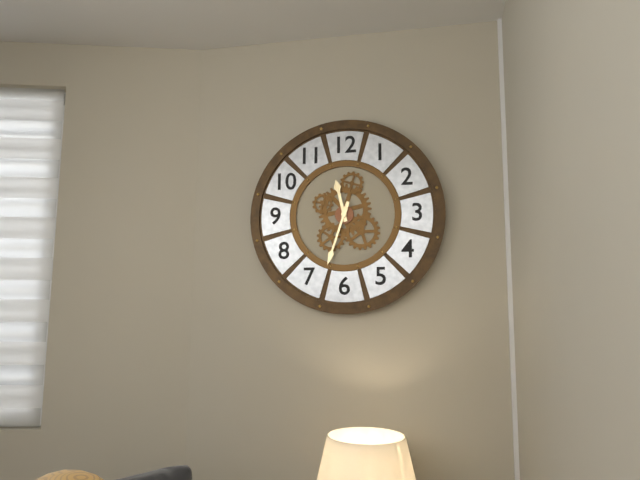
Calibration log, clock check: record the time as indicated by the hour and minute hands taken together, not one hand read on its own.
11:33
